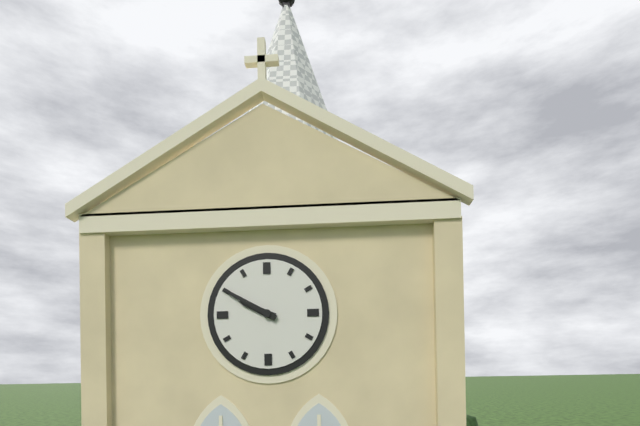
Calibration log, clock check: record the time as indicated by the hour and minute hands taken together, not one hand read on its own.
9:50
